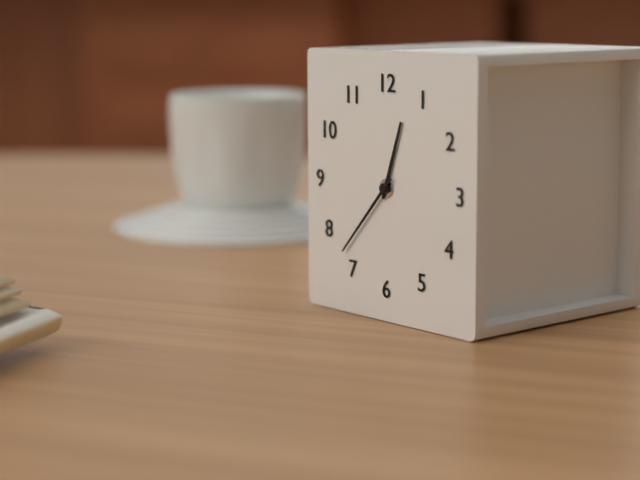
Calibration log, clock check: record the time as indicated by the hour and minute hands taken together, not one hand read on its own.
12:37
